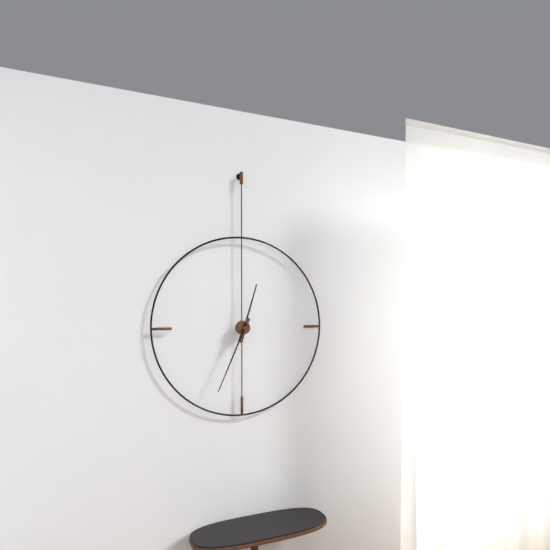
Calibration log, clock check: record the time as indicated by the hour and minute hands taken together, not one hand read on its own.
12:34
